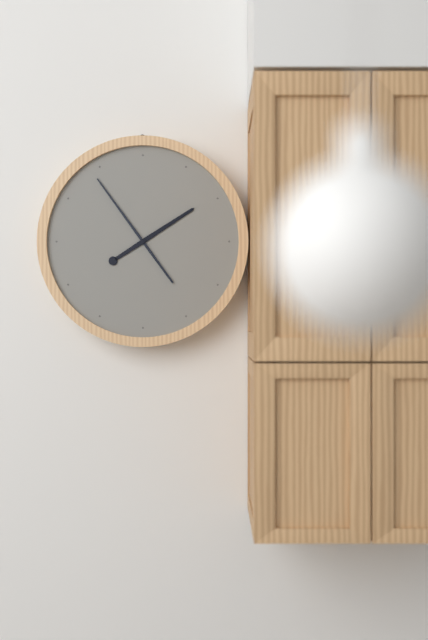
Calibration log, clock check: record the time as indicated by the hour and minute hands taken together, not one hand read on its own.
1:54
